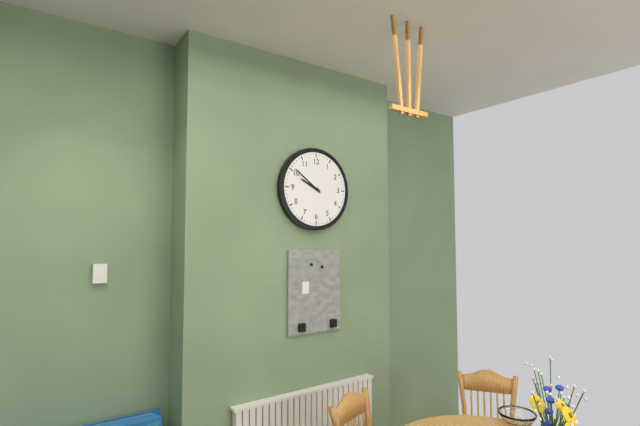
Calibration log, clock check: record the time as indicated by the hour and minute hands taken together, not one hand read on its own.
9:51
